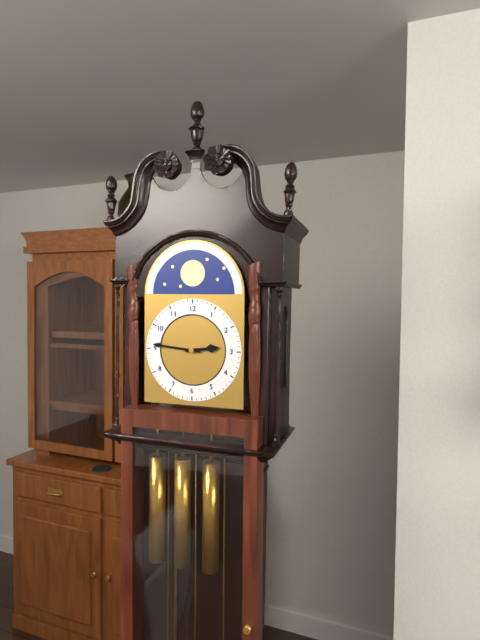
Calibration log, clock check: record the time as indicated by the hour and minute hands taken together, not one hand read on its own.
2:46
